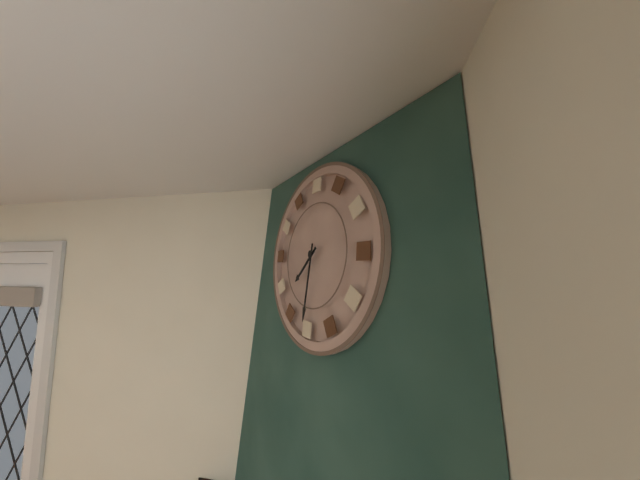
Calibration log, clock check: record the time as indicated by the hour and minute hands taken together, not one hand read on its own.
7:31
